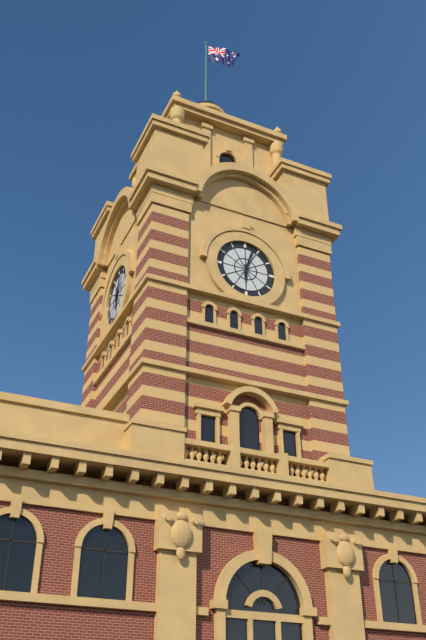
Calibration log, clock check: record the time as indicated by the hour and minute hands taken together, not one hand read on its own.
6:03
